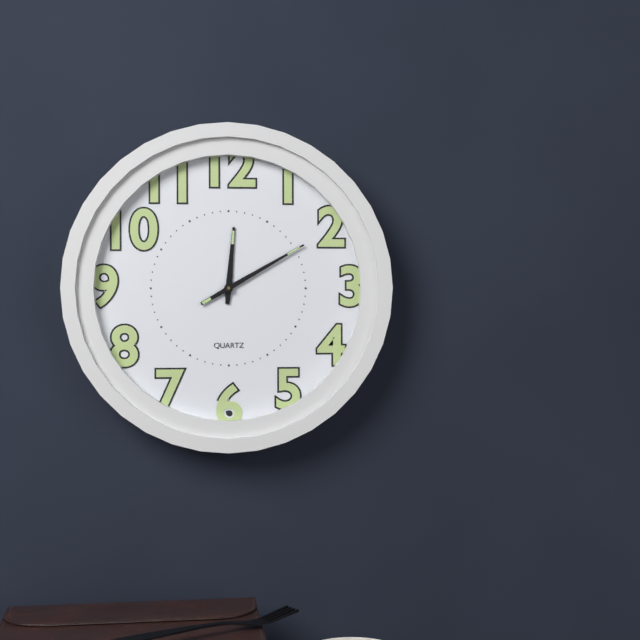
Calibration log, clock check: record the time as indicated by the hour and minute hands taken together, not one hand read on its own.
12:10
